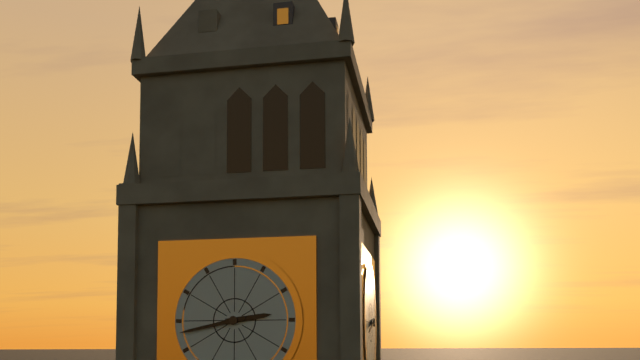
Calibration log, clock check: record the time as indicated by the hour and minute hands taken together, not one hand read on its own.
2:43
